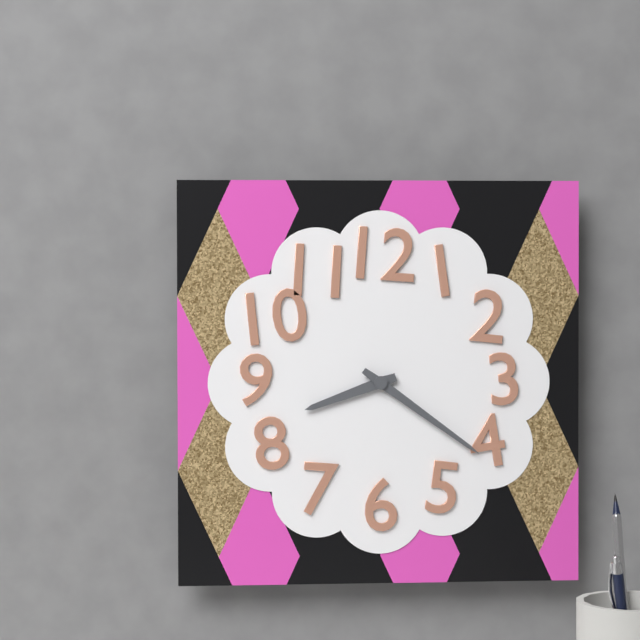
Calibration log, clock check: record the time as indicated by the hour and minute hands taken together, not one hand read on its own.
8:21
